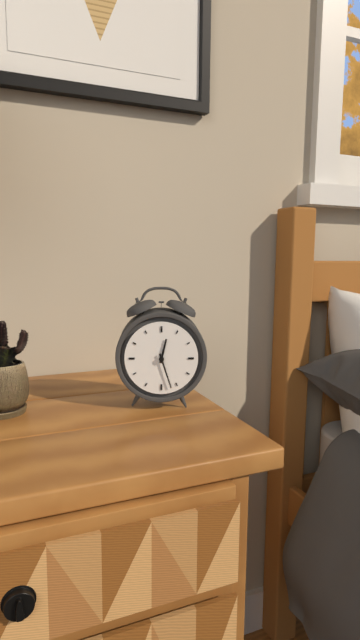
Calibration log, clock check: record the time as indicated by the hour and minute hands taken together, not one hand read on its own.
12:27
